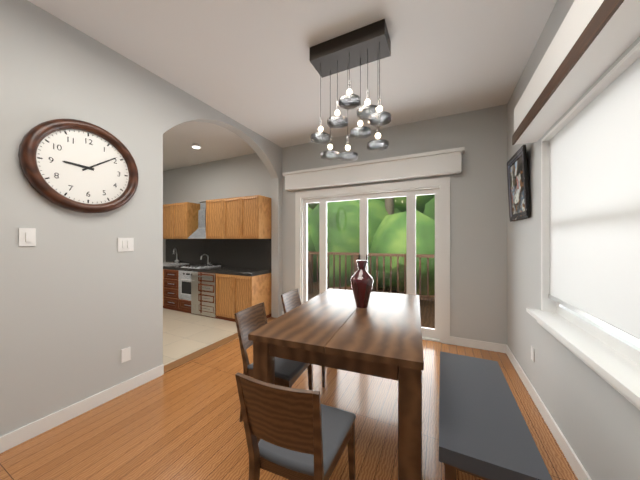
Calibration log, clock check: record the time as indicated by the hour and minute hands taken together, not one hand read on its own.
9:09
